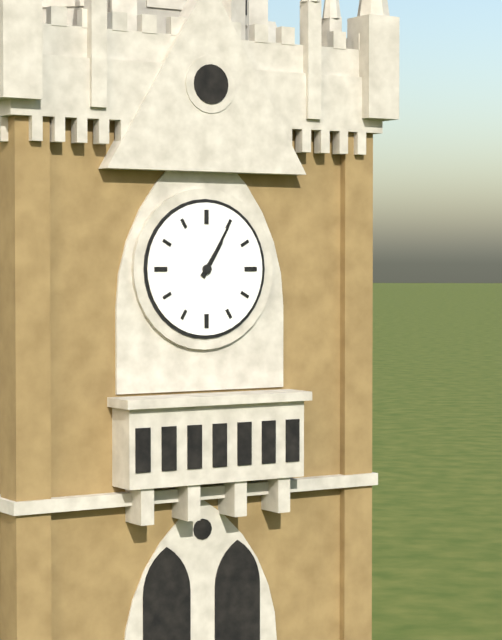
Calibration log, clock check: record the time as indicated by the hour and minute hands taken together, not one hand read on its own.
1:05
